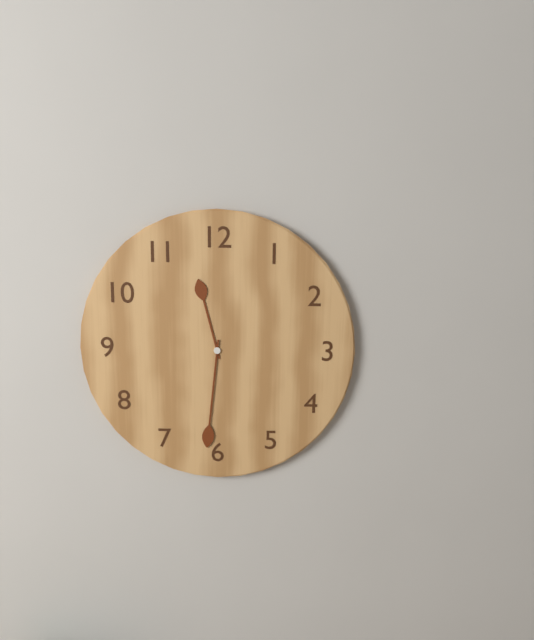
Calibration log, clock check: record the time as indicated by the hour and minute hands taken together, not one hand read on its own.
11:31
